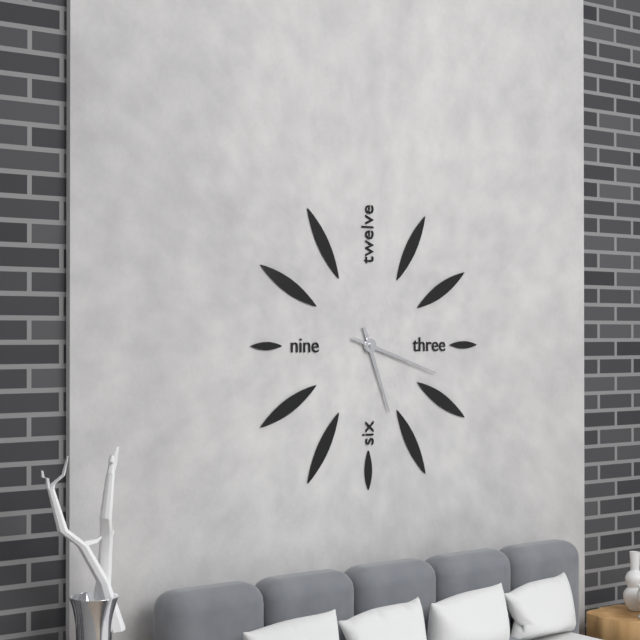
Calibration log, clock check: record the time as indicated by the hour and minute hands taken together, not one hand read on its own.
5:18
